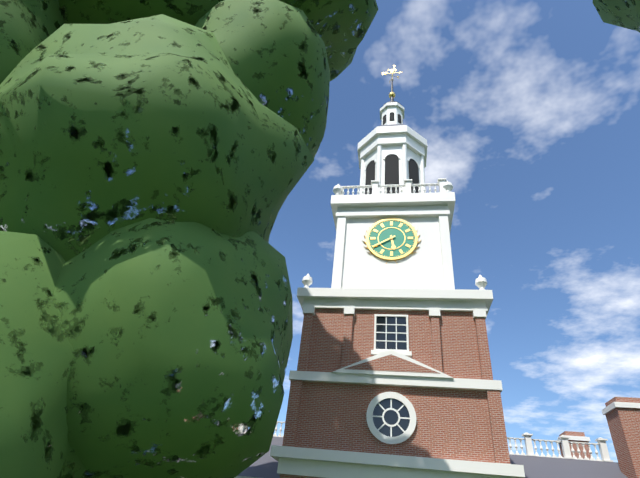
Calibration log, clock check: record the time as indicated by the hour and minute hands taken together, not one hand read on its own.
5:40
